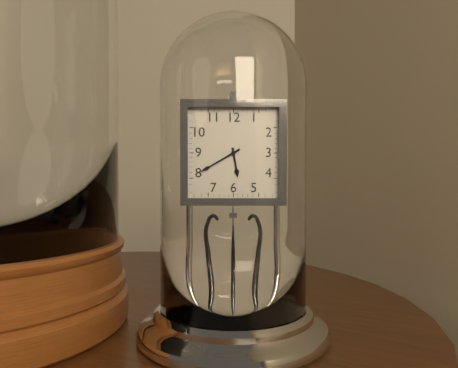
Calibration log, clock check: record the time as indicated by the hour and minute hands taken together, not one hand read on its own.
5:40
